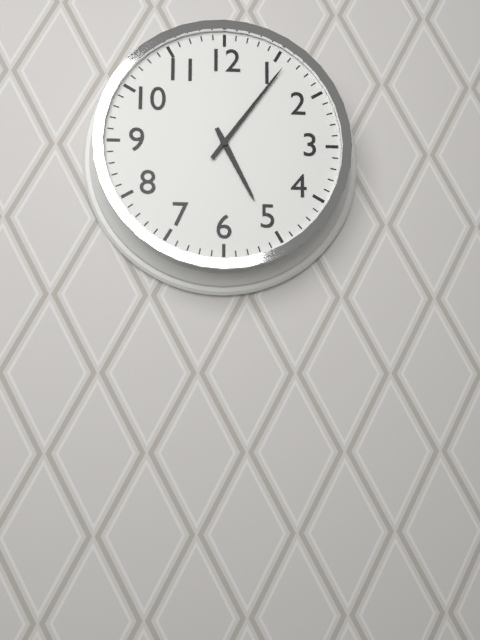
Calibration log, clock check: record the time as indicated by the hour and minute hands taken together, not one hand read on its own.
5:06
